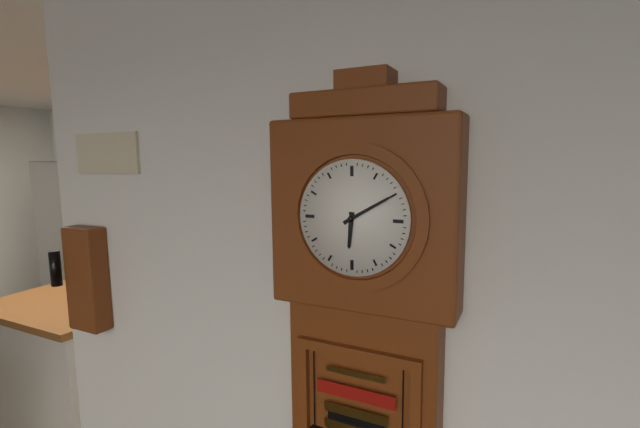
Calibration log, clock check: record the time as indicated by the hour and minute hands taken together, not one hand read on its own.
6:10
